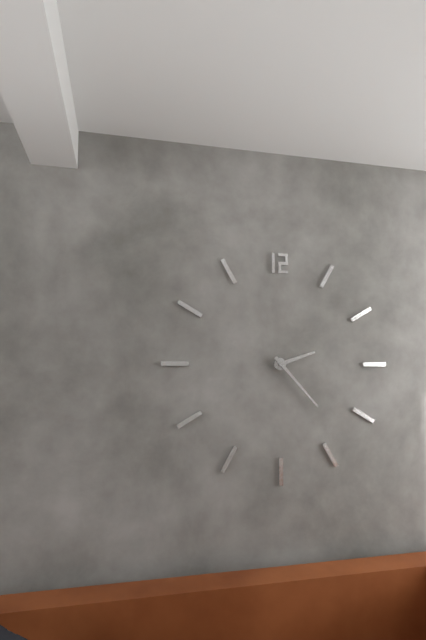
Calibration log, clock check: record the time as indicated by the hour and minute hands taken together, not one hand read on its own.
2:23
